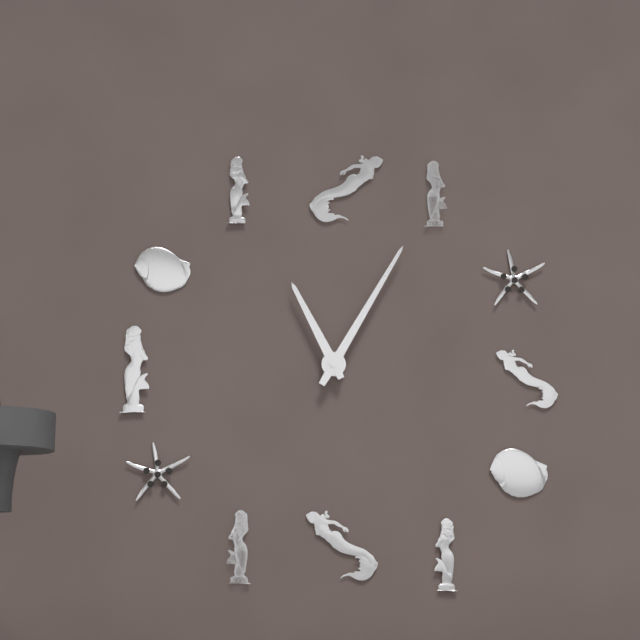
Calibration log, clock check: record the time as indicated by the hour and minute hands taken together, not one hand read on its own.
11:05
